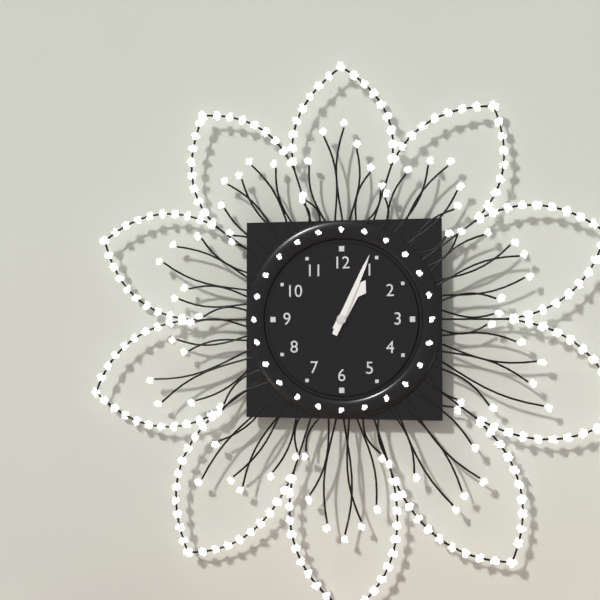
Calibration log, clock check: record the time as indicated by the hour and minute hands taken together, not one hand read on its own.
1:04
